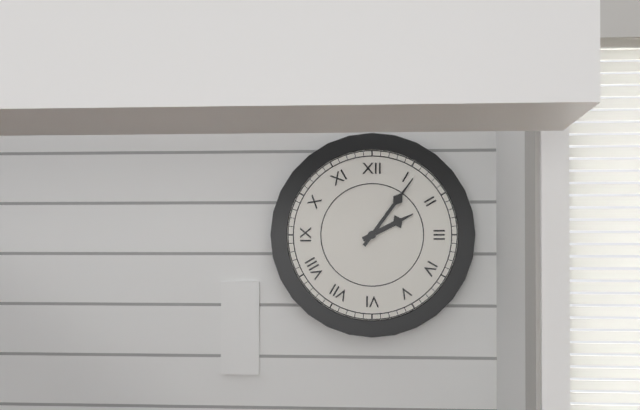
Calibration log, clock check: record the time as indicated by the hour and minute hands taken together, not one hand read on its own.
2:06
